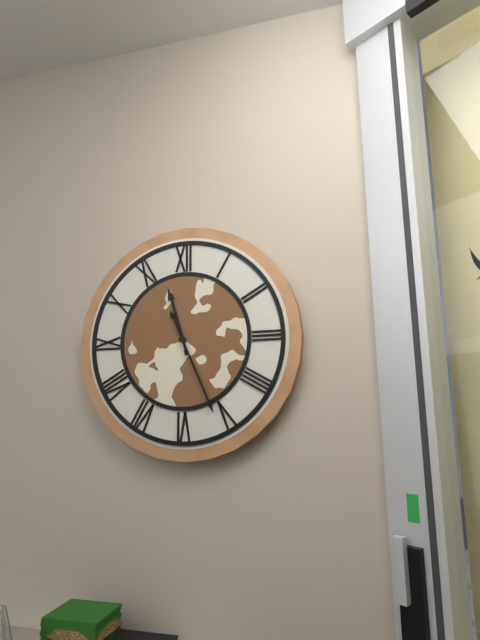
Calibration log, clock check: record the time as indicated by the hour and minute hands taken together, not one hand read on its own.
11:26
